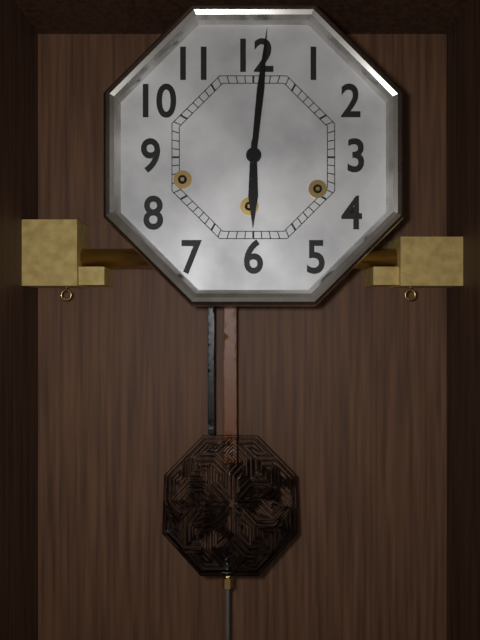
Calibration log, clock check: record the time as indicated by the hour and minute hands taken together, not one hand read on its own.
6:01
